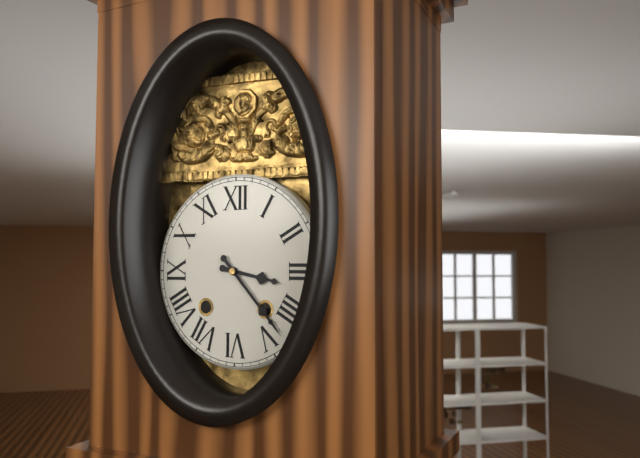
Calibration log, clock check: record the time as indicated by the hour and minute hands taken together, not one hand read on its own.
3:23
